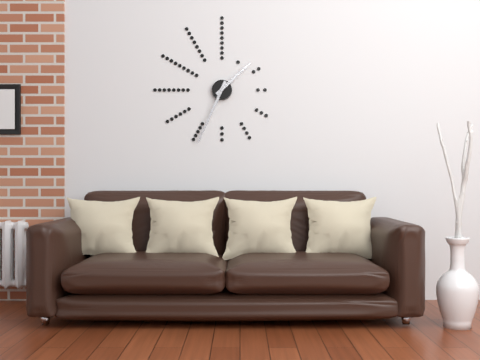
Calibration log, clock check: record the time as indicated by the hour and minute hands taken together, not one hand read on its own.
1:34
